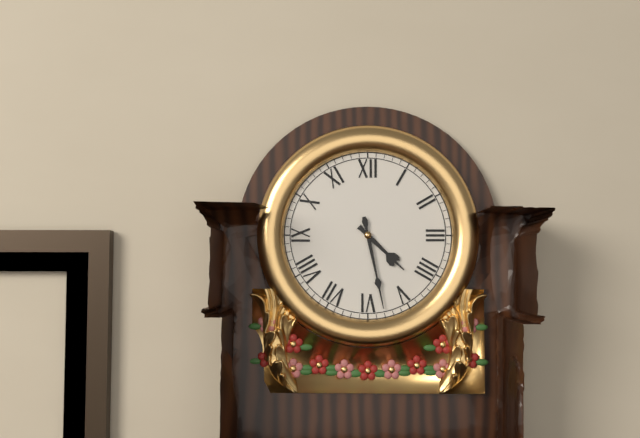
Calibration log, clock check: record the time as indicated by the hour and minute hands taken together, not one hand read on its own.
4:28
